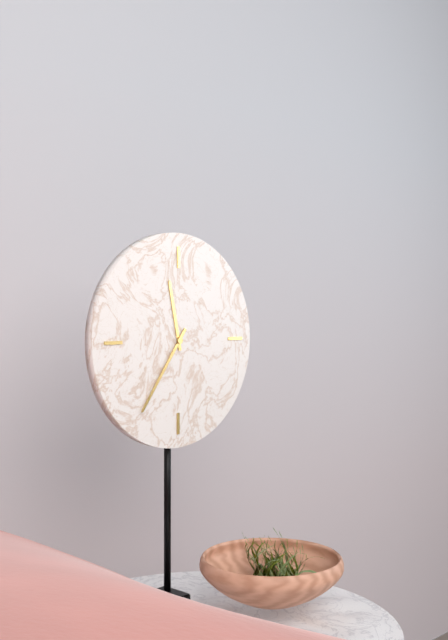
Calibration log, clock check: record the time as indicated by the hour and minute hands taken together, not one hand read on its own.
11:36
